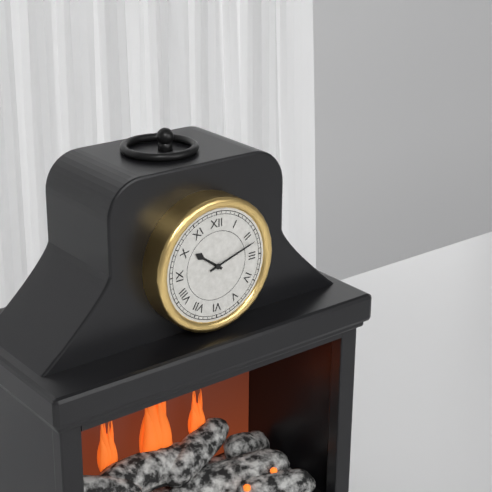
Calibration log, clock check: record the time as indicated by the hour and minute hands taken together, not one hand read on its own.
10:12
